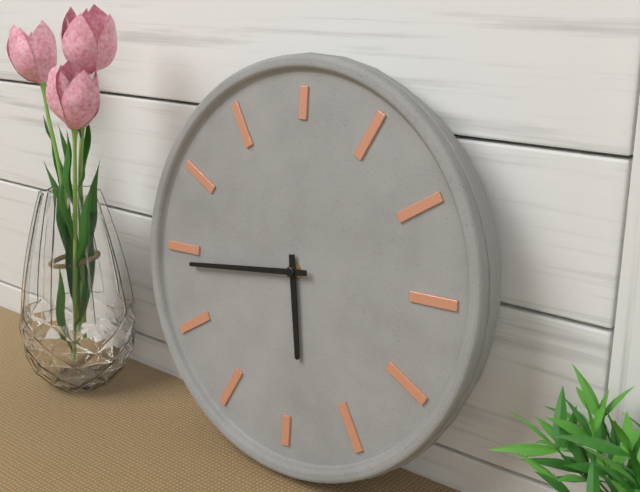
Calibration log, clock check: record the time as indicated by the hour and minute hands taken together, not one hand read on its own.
5:44
